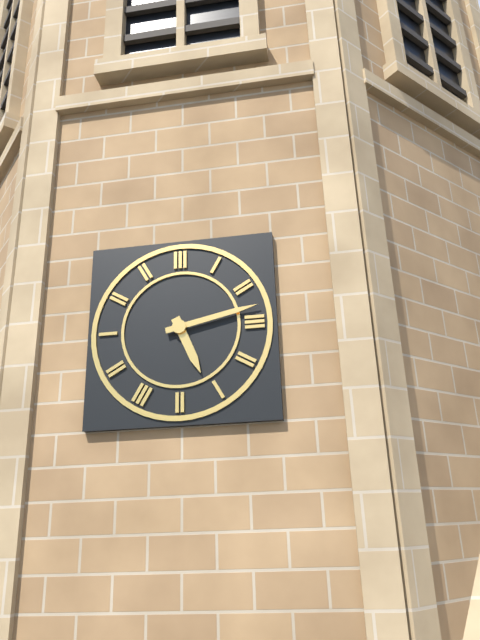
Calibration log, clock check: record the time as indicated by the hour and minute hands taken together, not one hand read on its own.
5:13
